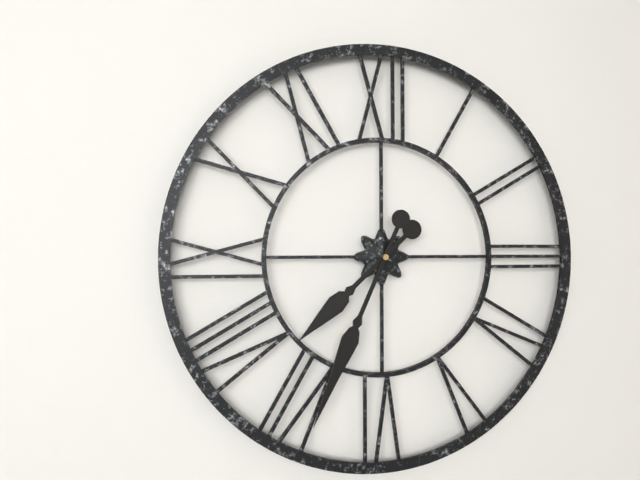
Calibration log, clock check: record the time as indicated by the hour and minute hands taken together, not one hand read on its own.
7:34
